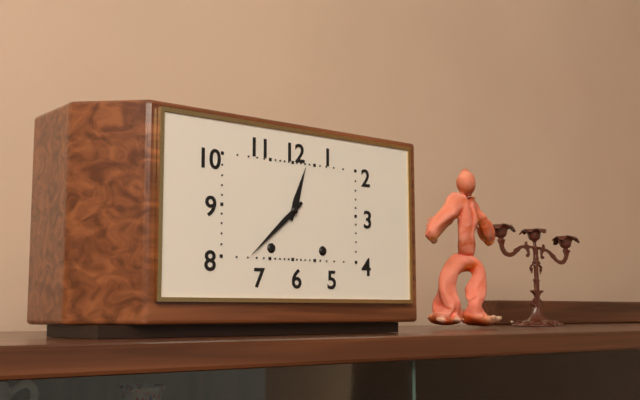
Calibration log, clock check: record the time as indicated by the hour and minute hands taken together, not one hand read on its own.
12:38
